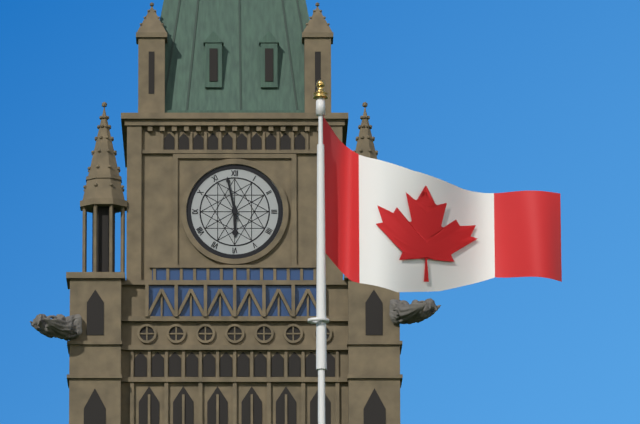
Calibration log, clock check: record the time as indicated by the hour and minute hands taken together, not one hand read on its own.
5:58
